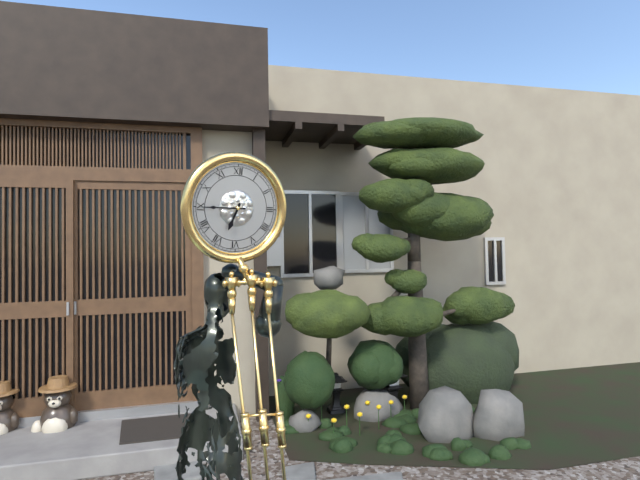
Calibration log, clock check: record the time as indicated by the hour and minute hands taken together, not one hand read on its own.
6:45
